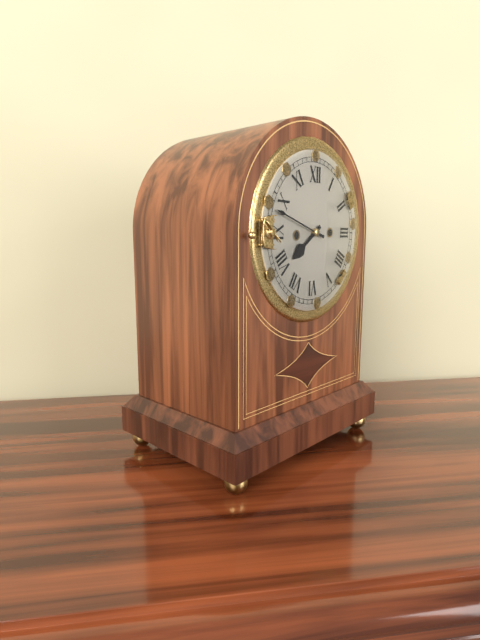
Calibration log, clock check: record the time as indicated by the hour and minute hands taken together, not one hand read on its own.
7:48
